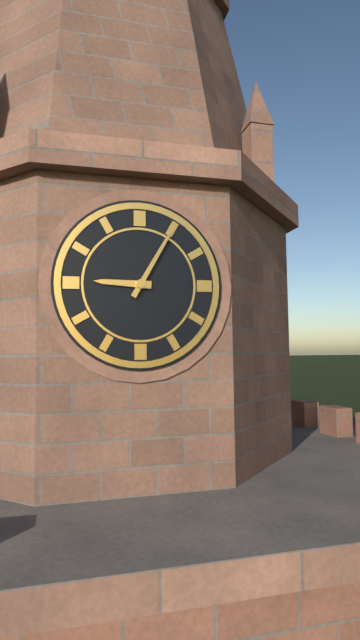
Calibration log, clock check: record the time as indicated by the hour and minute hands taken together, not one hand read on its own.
9:05
